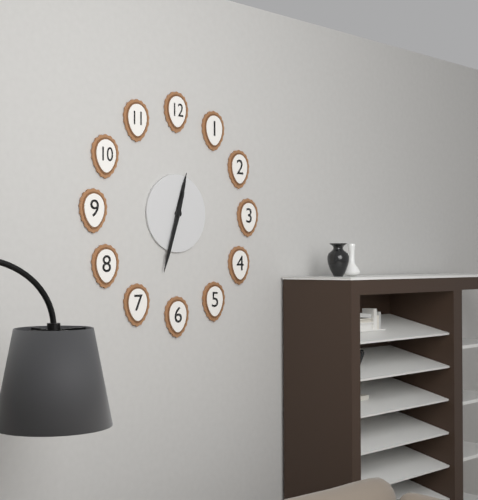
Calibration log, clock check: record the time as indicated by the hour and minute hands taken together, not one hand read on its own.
12:33
